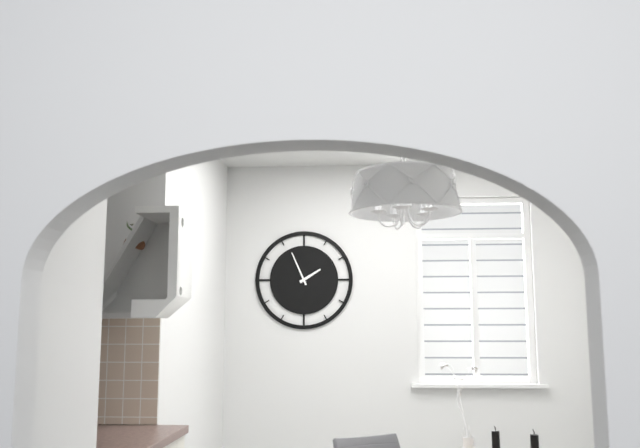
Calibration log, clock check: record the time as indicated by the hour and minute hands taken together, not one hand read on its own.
1:56
